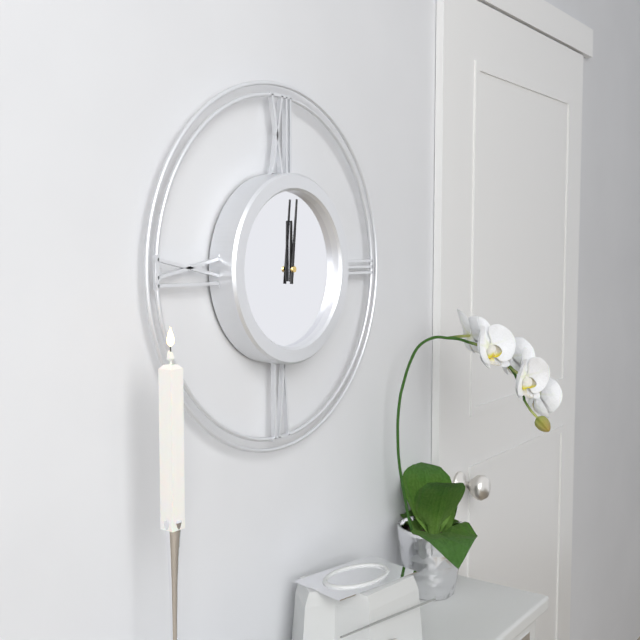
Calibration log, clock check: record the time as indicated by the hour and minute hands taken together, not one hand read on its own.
12:01
